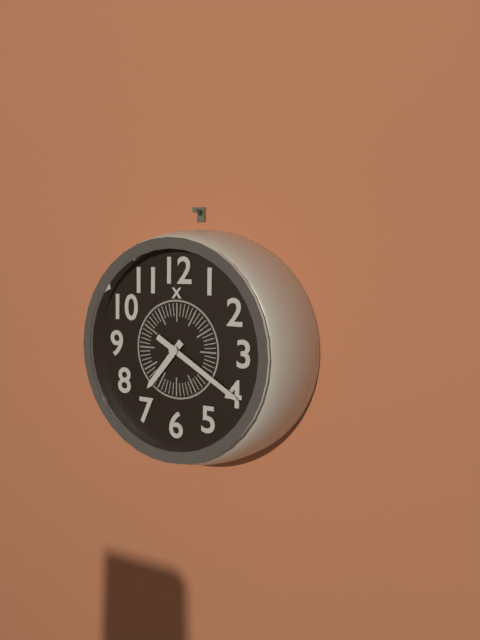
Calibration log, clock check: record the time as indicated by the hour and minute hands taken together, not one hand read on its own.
7:20
